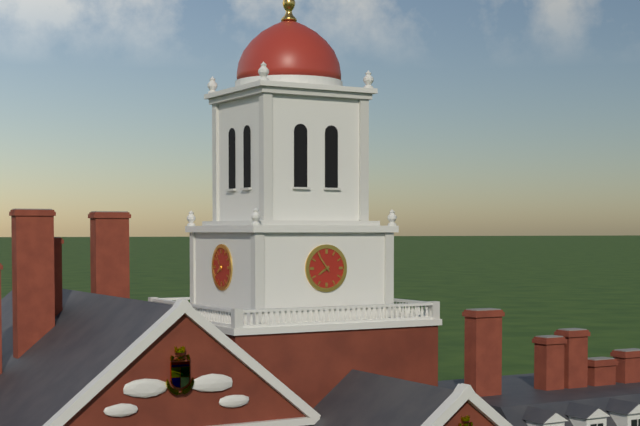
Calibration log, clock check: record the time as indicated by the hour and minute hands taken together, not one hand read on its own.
7:54
